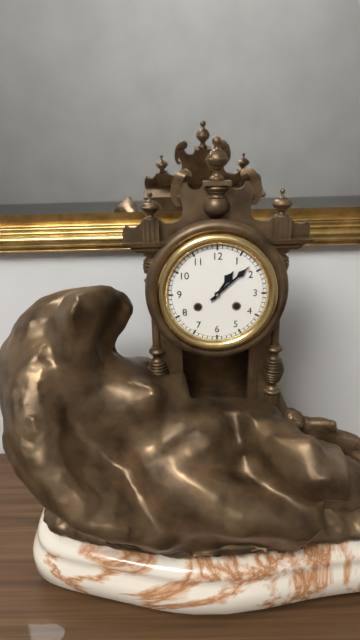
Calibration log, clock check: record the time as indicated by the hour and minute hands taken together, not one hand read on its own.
1:08
